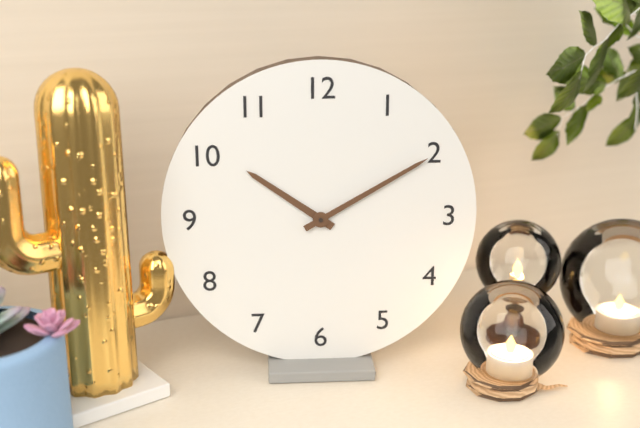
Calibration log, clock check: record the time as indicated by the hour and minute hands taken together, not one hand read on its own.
10:10
